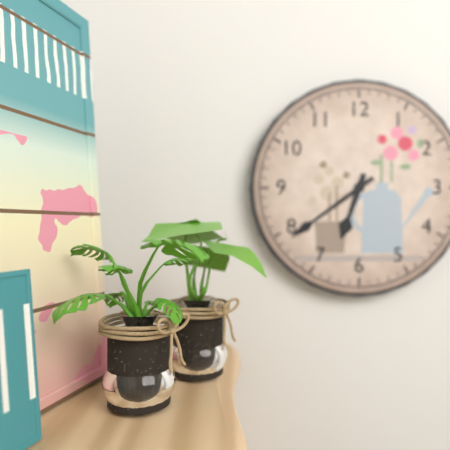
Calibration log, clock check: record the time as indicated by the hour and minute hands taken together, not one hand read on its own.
6:39
